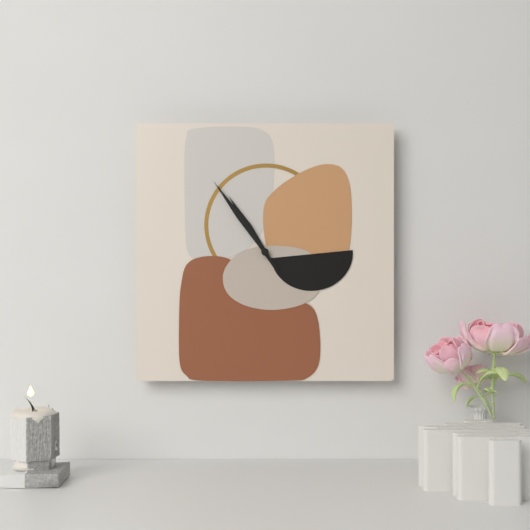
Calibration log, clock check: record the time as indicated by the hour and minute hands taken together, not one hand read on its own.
10:54
